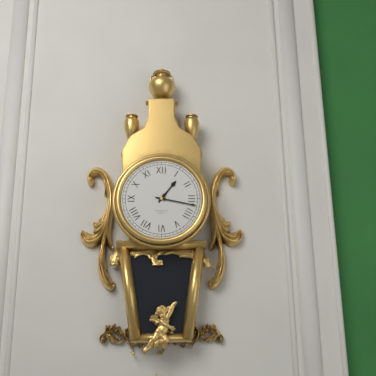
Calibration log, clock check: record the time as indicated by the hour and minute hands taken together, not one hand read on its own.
1:17
